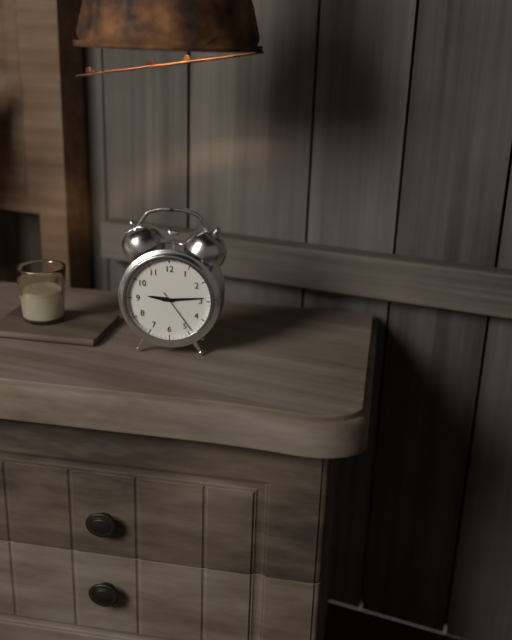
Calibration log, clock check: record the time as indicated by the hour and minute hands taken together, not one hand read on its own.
9:14
